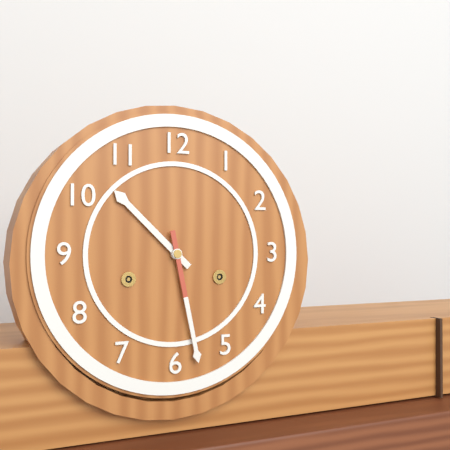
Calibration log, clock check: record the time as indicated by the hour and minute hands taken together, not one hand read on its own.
10:28
